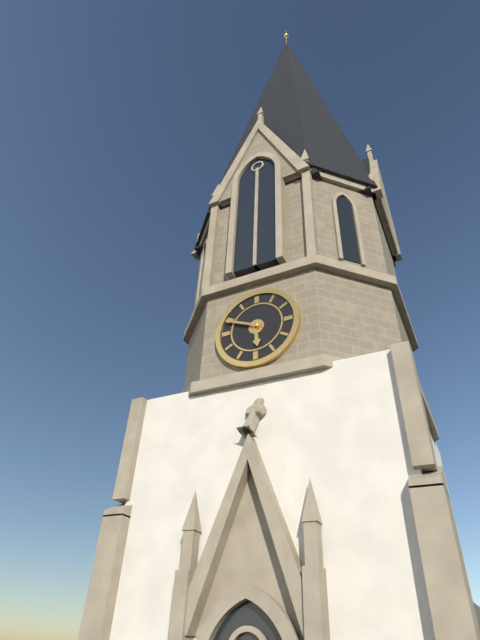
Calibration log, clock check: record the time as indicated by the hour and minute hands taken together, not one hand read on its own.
5:49
